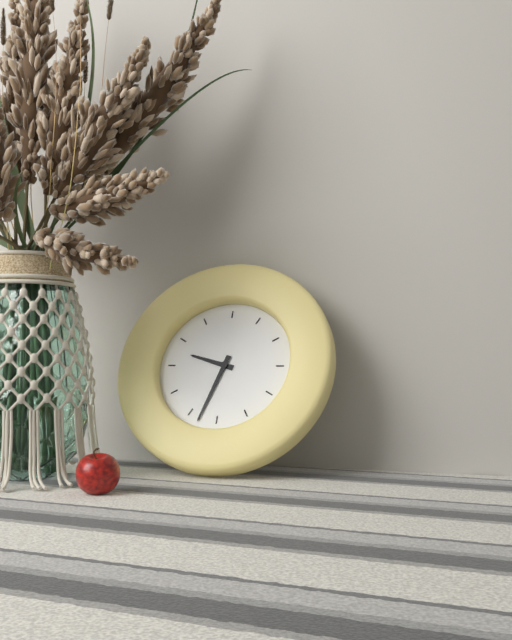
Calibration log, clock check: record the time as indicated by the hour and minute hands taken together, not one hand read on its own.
9:33
